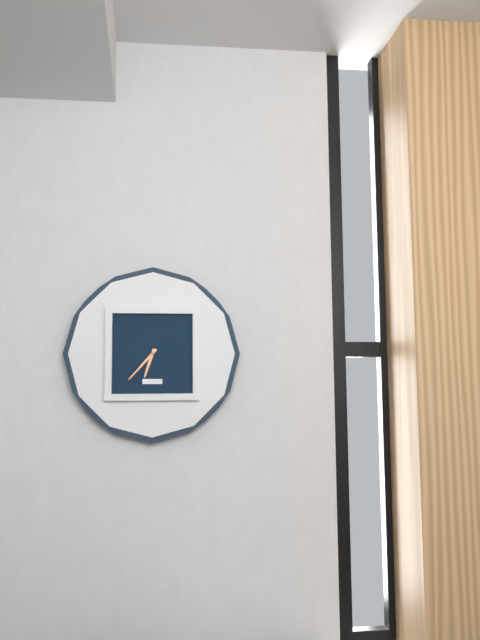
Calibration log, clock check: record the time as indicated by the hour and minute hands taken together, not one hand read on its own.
6:37
